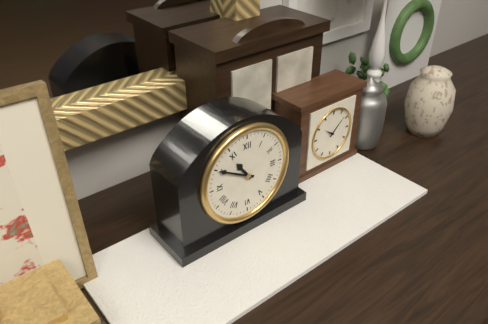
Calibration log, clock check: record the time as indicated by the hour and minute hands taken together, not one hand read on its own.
10:50
